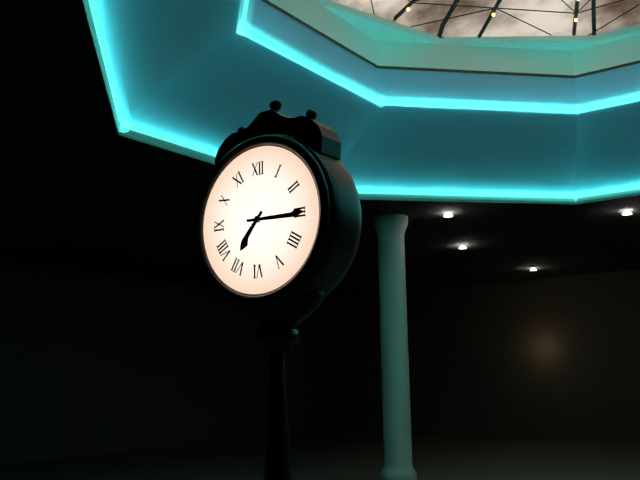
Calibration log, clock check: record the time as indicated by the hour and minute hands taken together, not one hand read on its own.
7:15
